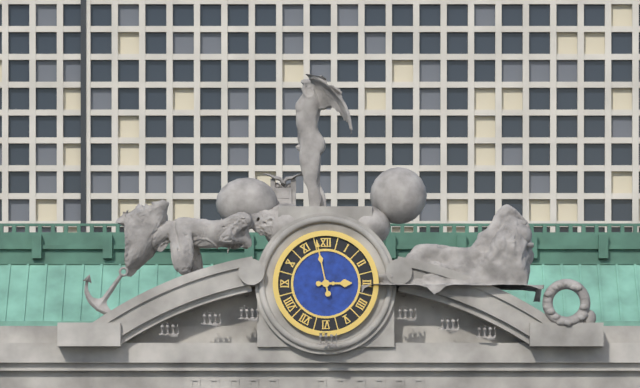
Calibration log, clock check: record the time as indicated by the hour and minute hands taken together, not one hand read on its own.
2:58
